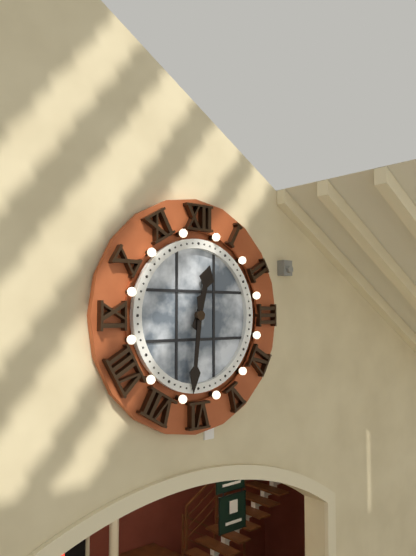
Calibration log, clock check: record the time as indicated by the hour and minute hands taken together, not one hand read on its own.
12:31
